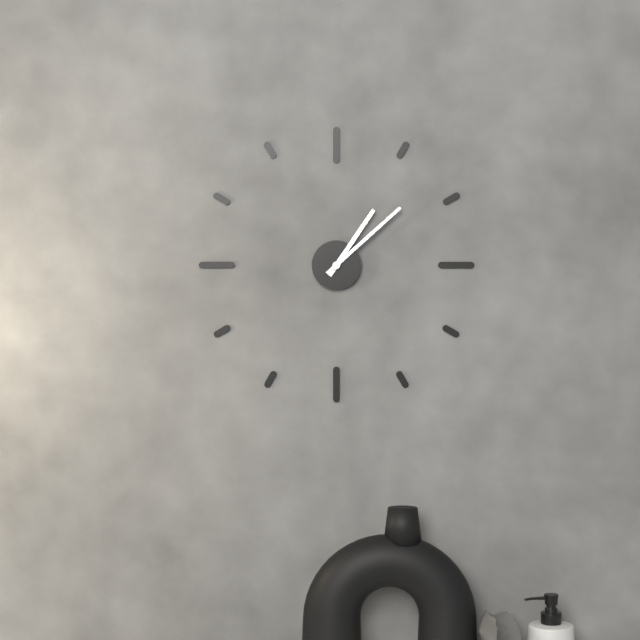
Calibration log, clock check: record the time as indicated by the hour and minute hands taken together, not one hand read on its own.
1:08
